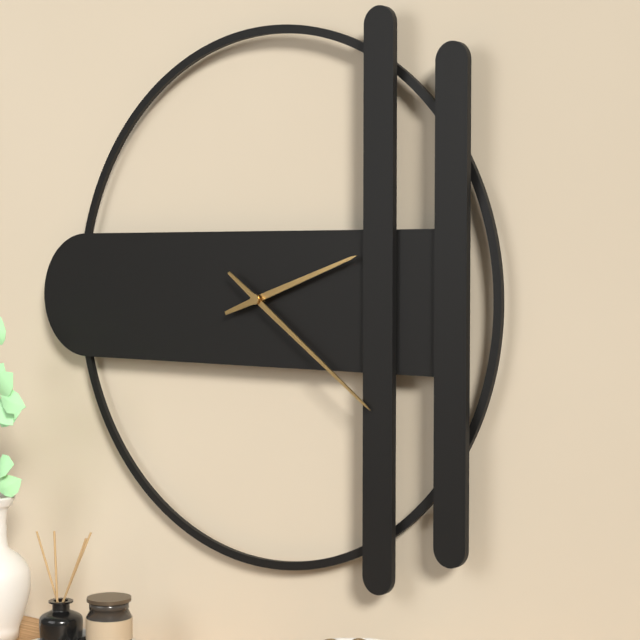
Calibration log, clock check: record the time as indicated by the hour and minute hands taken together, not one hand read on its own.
2:21
